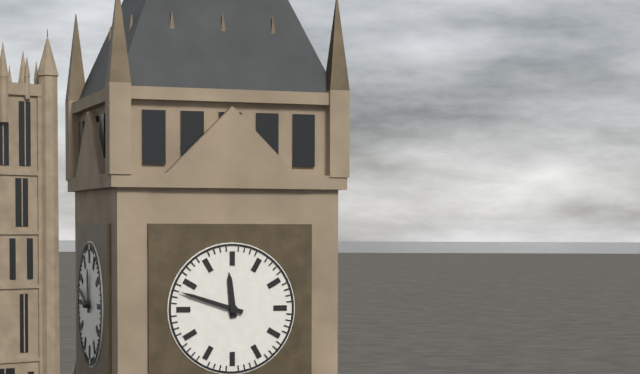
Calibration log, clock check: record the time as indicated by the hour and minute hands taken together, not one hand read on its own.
11:48
